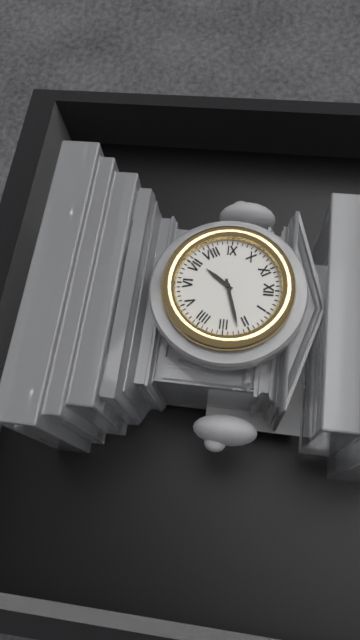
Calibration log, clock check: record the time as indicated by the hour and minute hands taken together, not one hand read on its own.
7:12
